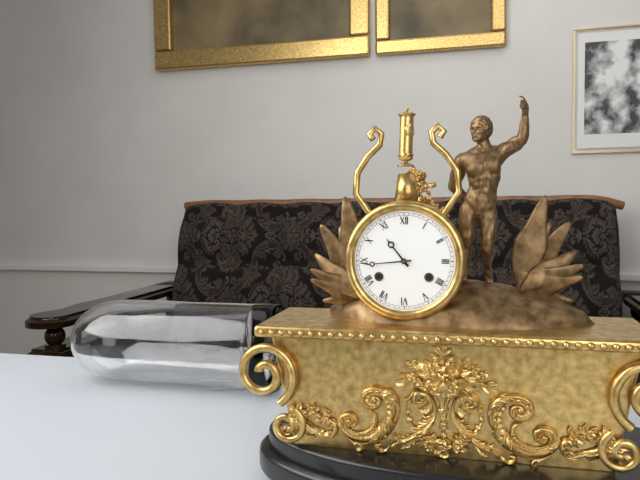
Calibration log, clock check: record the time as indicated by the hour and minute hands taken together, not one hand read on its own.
10:44
